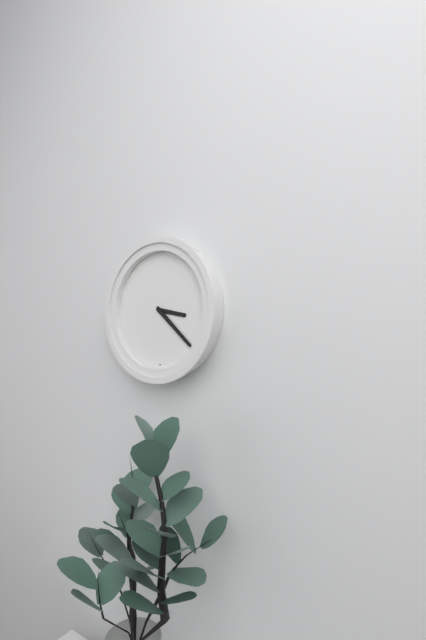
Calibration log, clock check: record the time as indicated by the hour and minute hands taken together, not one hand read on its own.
3:22
